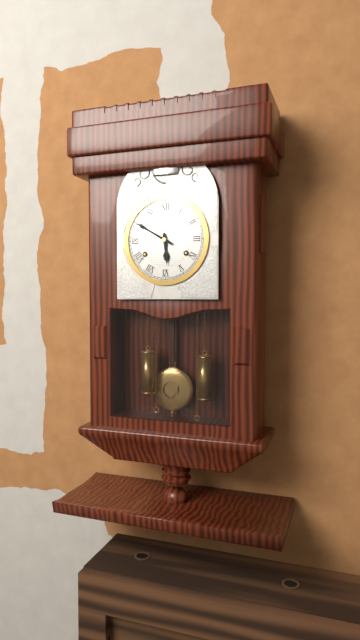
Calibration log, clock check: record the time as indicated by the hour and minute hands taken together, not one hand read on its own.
5:50
